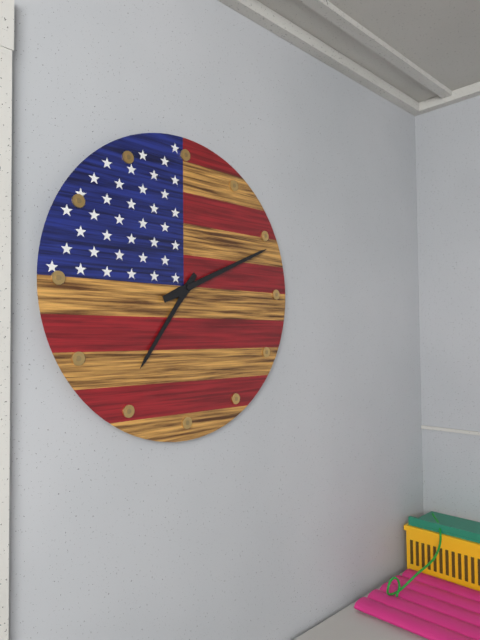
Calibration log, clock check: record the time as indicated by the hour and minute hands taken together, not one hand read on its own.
7:11
